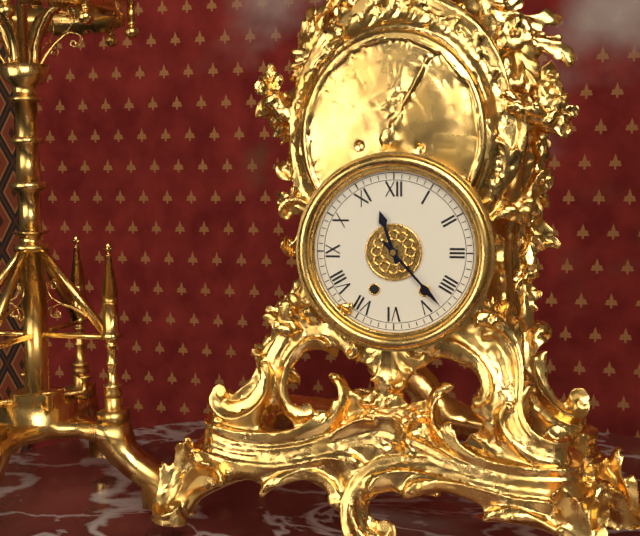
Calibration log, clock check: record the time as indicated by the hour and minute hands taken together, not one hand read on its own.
11:23
